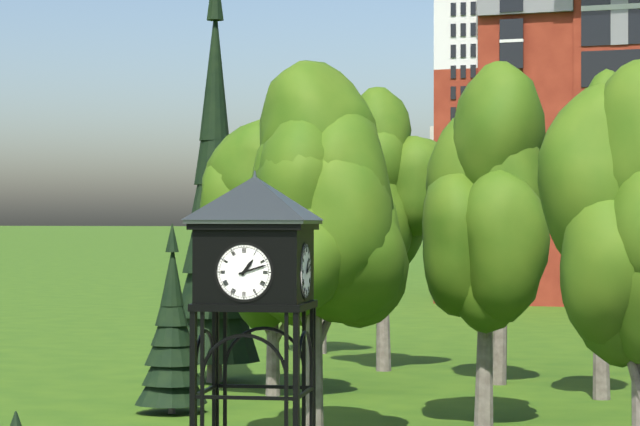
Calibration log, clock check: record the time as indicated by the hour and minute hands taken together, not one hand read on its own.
1:12
